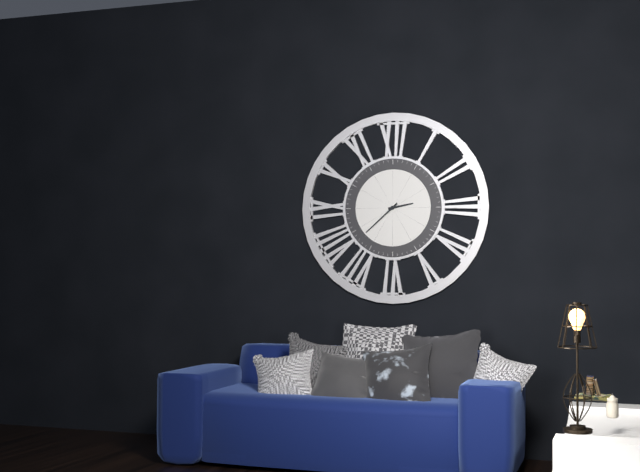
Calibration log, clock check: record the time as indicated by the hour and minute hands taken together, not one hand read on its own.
2:38
